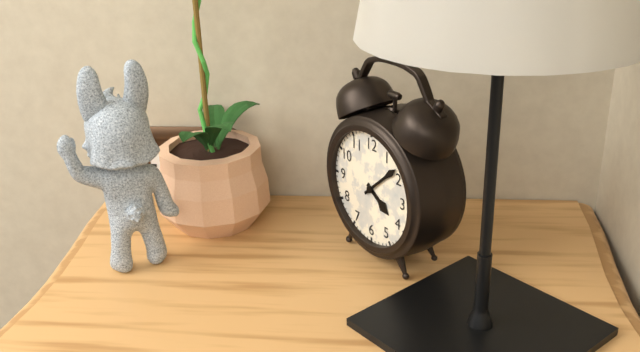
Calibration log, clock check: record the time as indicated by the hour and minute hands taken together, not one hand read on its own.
4:08
